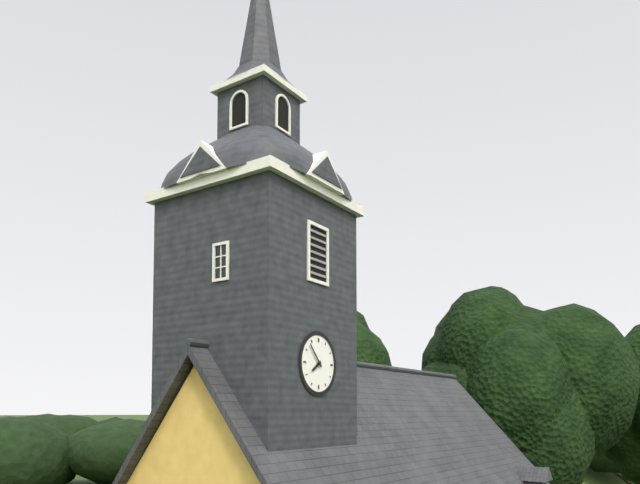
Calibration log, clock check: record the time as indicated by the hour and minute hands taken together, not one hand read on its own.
7:53
